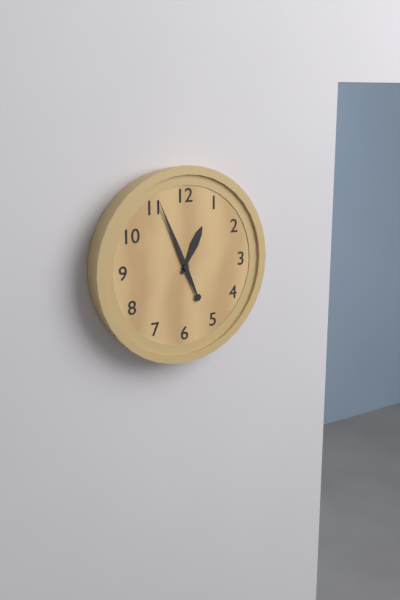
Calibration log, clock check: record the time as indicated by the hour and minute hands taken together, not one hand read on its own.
12:56
